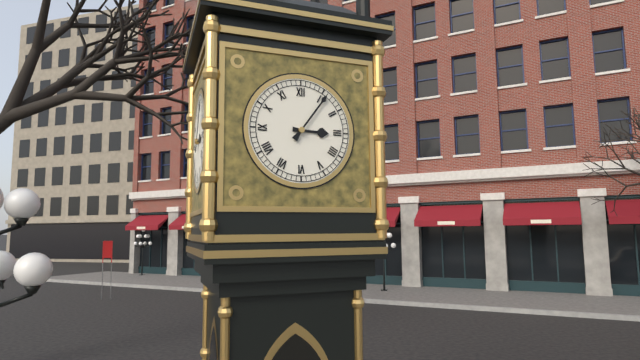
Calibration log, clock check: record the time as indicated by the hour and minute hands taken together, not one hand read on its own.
3:06
